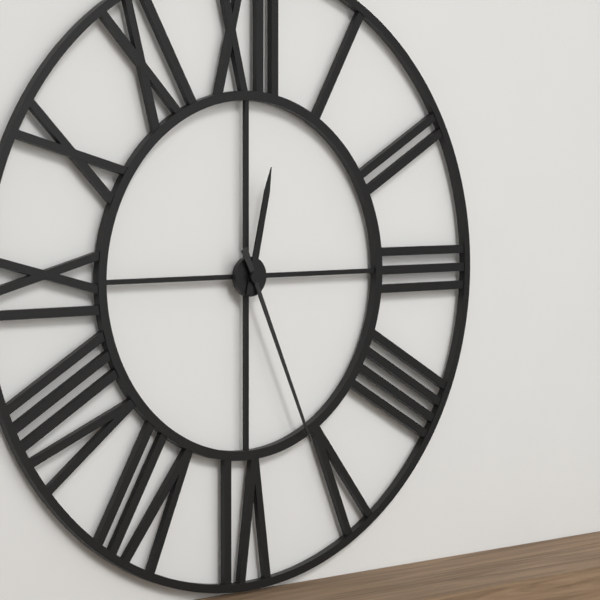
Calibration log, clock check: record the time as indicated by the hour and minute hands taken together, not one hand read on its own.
12:26
